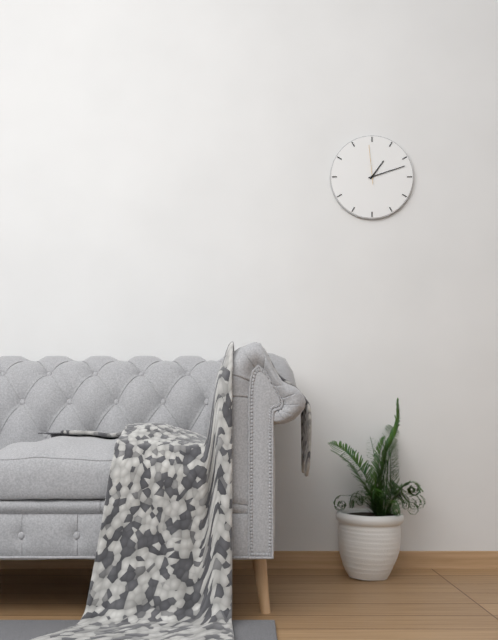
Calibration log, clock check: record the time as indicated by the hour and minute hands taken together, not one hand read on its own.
1:12
